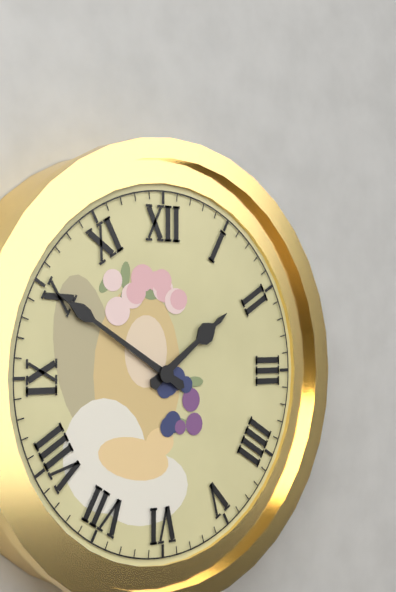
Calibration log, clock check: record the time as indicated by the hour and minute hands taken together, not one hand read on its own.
1:50
